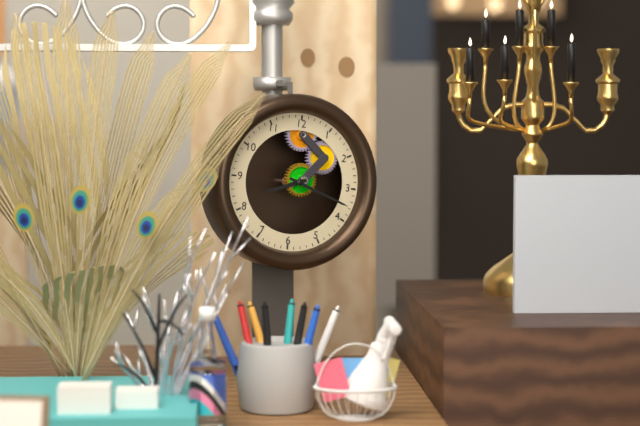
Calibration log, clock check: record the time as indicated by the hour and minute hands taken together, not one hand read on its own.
8:18
